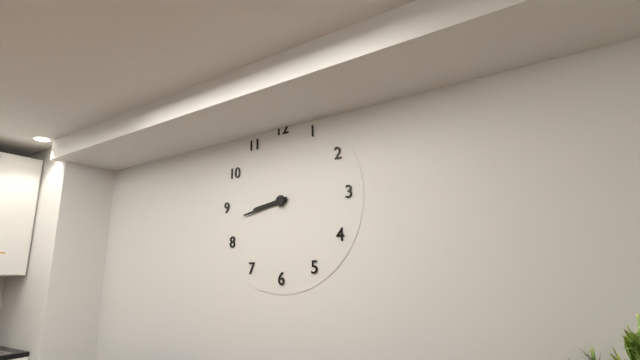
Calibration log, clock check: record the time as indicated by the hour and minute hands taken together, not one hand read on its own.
8:43
